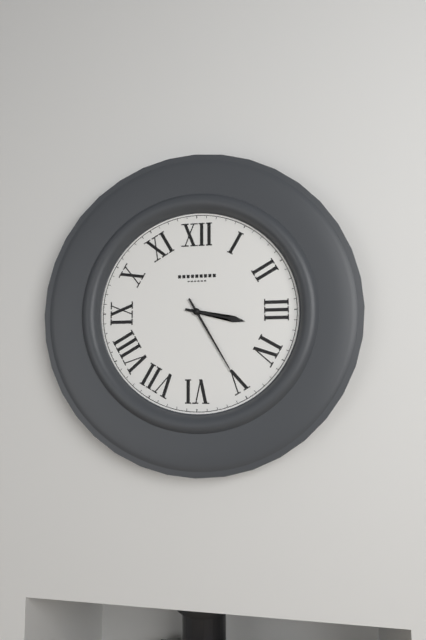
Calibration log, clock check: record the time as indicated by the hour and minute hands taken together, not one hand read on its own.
3:25
